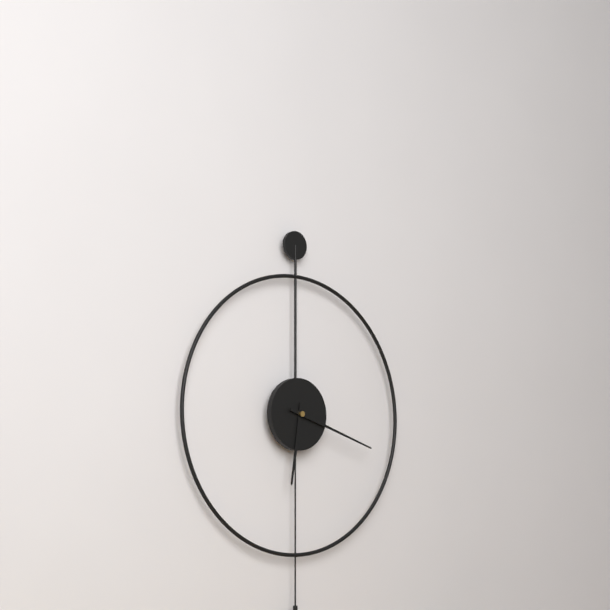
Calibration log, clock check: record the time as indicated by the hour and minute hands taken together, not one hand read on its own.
6:18
